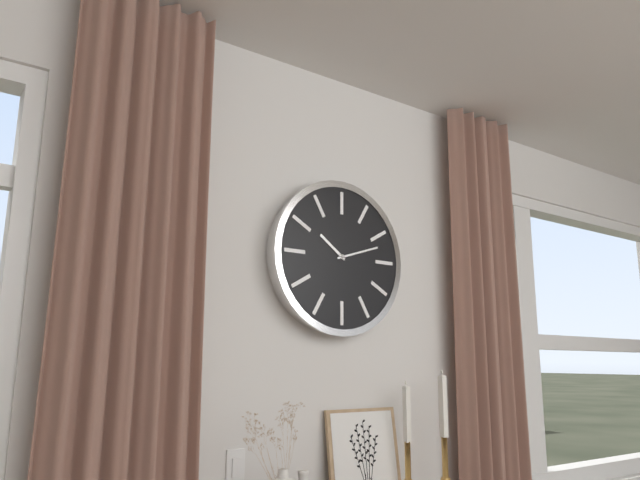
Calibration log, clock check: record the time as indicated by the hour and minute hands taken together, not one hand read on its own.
10:12
